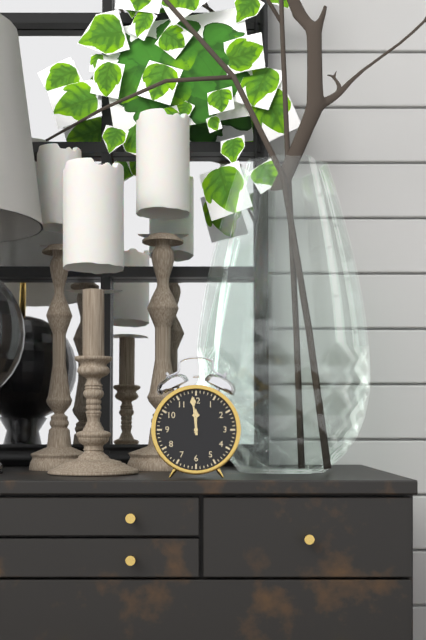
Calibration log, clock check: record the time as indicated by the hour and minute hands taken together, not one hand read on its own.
11:59
